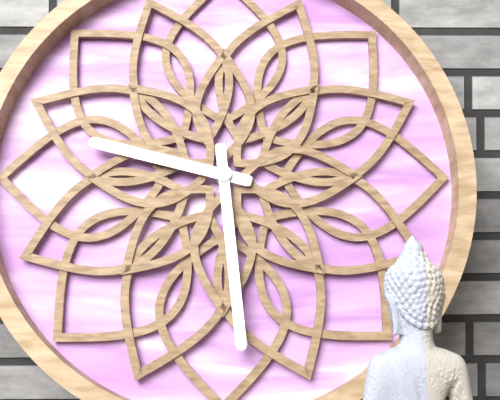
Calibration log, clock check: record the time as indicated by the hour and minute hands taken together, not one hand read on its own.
9:29
